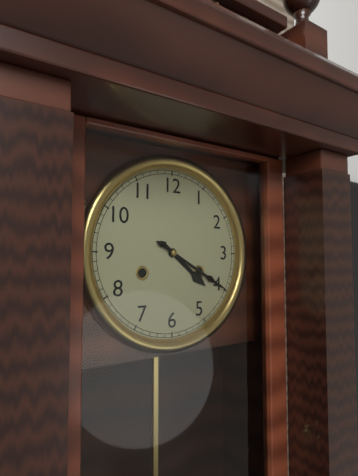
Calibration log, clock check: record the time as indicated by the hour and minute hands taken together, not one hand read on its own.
4:20
